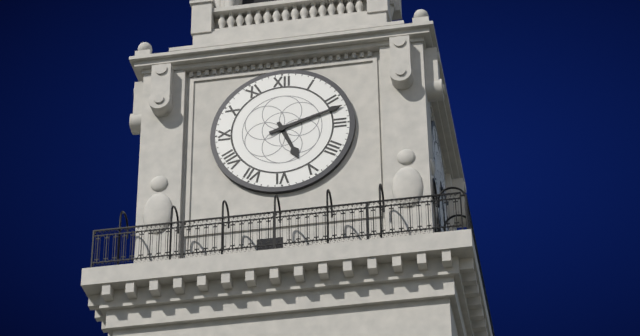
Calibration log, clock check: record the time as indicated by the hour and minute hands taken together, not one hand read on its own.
5:12
